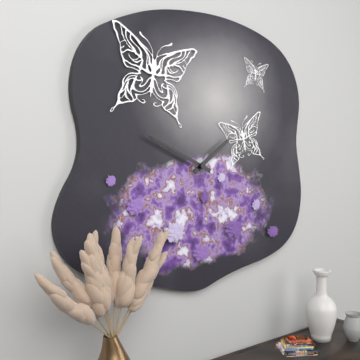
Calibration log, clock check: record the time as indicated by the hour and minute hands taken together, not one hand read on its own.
1:49
